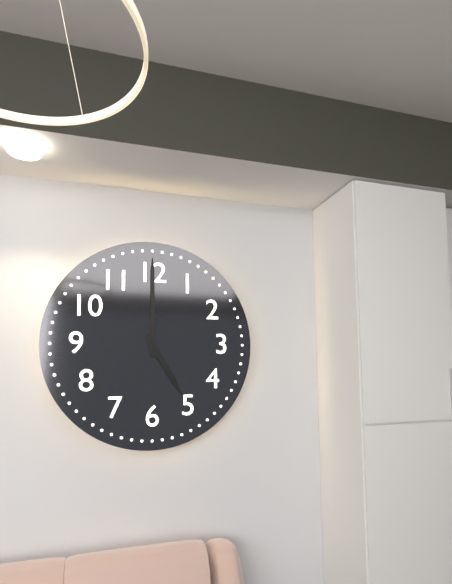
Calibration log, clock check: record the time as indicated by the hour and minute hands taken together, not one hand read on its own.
5:00
